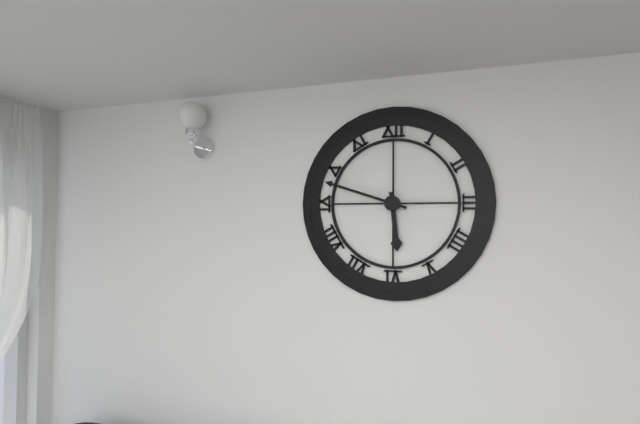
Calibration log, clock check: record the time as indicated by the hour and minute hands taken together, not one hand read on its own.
5:48
